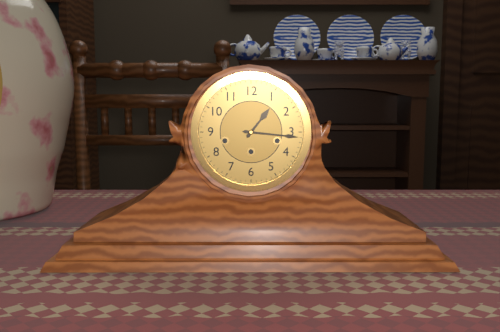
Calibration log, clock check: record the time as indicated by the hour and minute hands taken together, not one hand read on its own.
1:16
